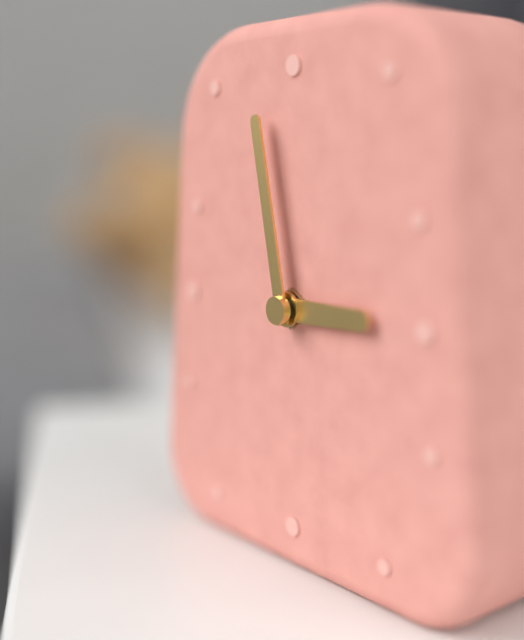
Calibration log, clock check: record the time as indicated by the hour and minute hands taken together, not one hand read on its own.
2:58
